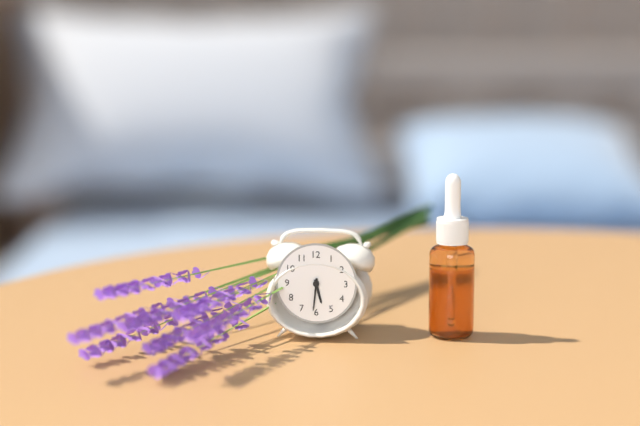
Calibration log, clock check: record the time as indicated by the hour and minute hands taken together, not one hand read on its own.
5:31
